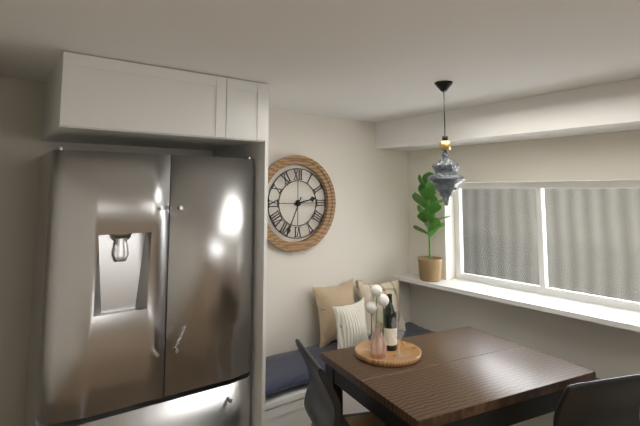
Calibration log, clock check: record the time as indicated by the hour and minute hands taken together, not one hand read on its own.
2:34
